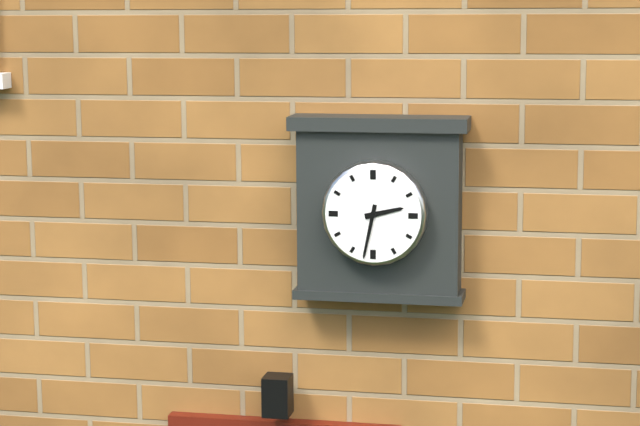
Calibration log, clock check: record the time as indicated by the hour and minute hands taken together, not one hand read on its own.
2:32
